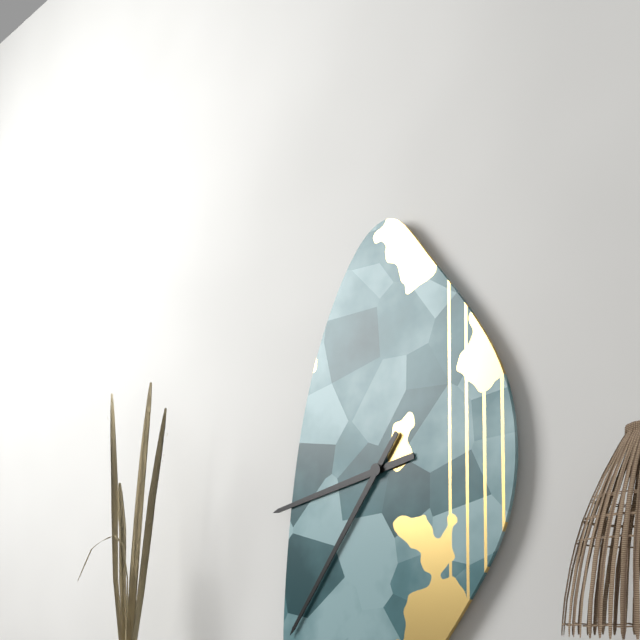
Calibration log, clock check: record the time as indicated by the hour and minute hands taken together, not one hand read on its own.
8:36
